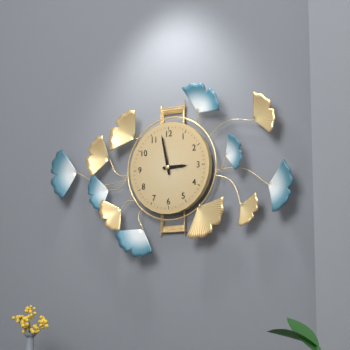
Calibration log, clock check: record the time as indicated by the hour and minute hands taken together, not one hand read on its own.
2:58
